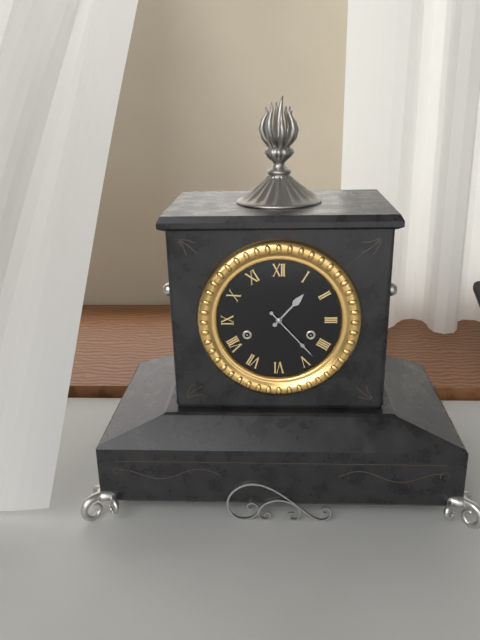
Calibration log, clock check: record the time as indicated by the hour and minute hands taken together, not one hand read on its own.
1:23
